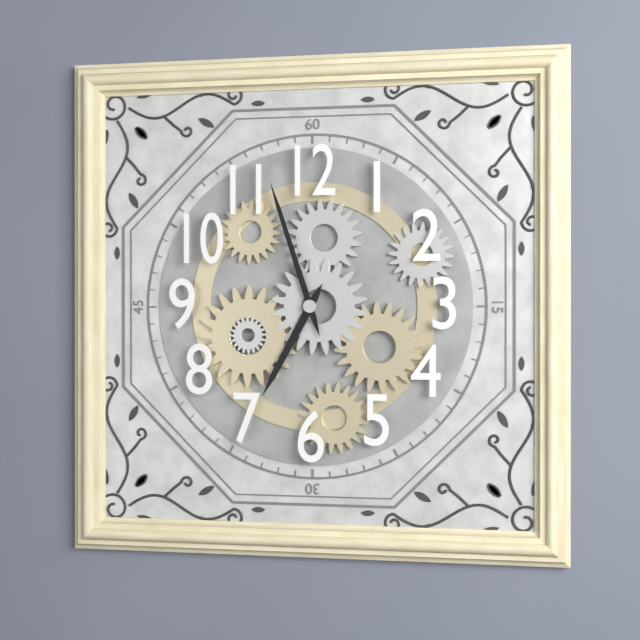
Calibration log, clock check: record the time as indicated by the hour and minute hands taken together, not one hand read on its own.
6:57
